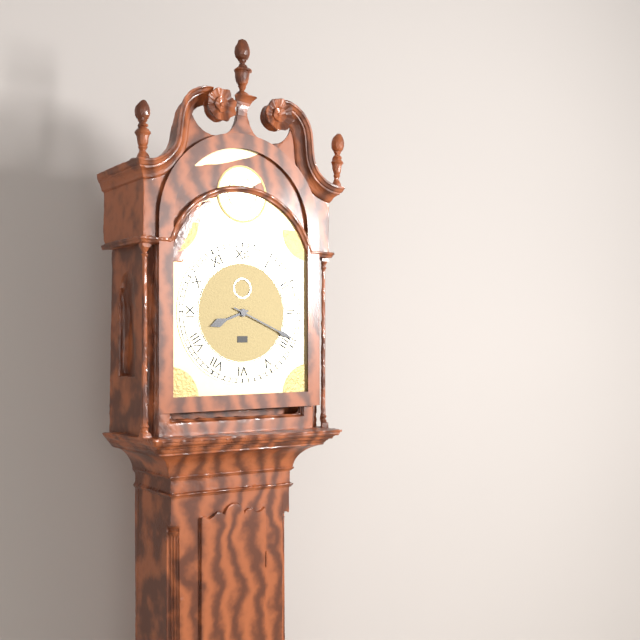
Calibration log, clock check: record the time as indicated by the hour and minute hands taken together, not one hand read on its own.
8:19
